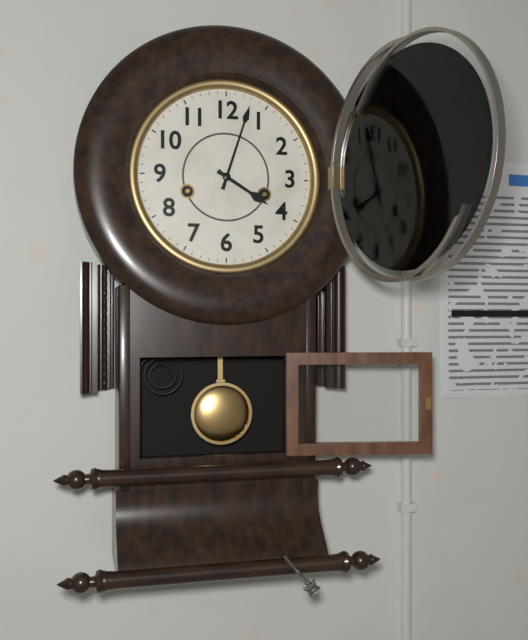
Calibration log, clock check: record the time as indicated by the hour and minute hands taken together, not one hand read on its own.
4:03
